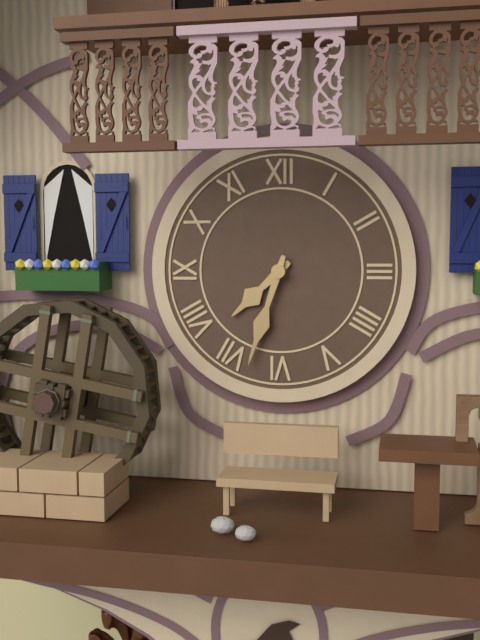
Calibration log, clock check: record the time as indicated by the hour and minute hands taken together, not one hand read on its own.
7:33
